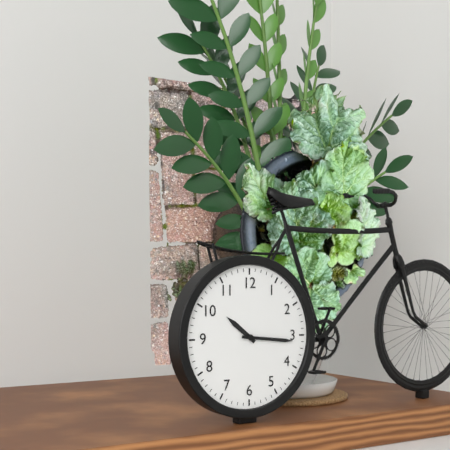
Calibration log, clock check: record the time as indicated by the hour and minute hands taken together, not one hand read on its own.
10:16
